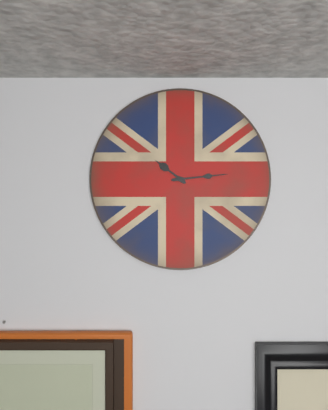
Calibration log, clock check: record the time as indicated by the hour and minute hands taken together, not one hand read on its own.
10:14
